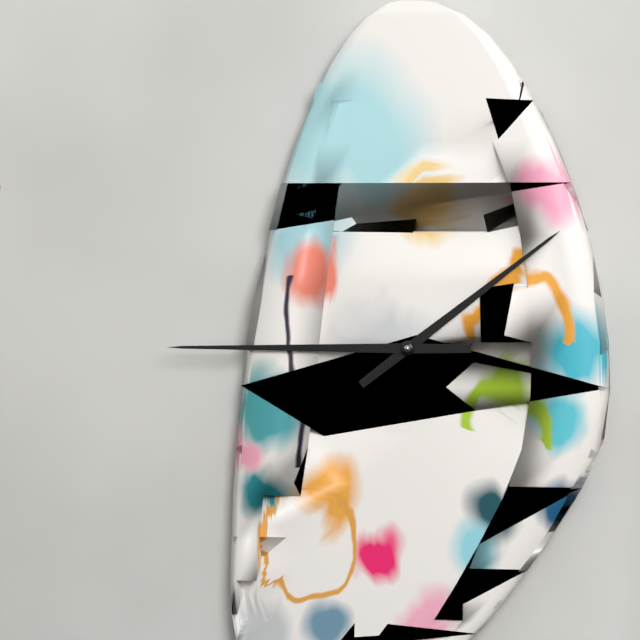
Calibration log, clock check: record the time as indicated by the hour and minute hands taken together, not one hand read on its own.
1:45
